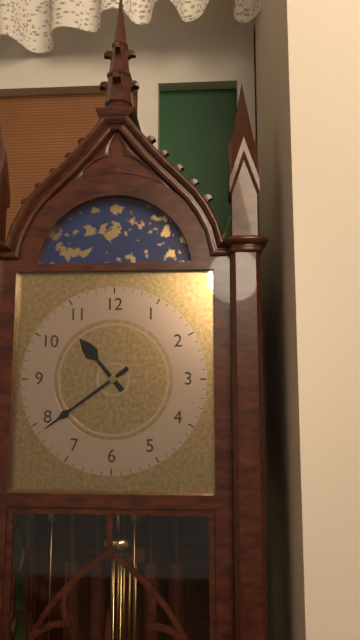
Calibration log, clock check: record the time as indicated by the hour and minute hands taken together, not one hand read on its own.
10:39
